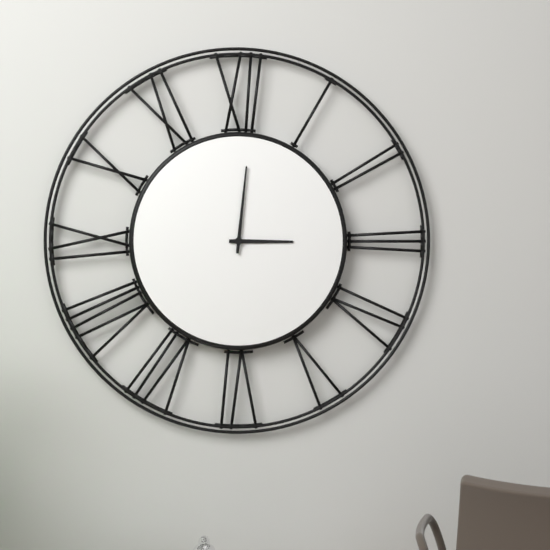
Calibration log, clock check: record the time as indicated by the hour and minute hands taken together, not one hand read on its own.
3:01
